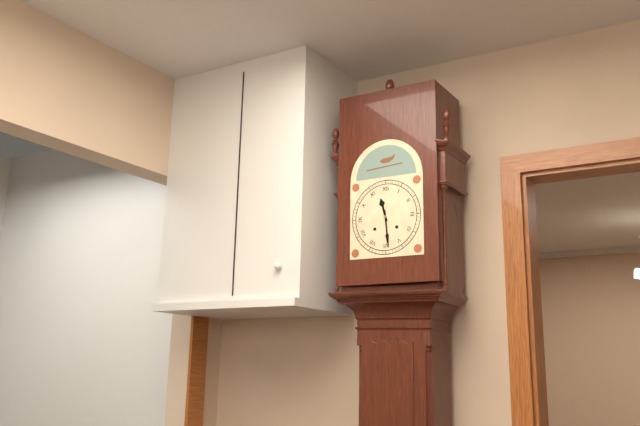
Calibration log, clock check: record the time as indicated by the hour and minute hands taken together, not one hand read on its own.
11:29
